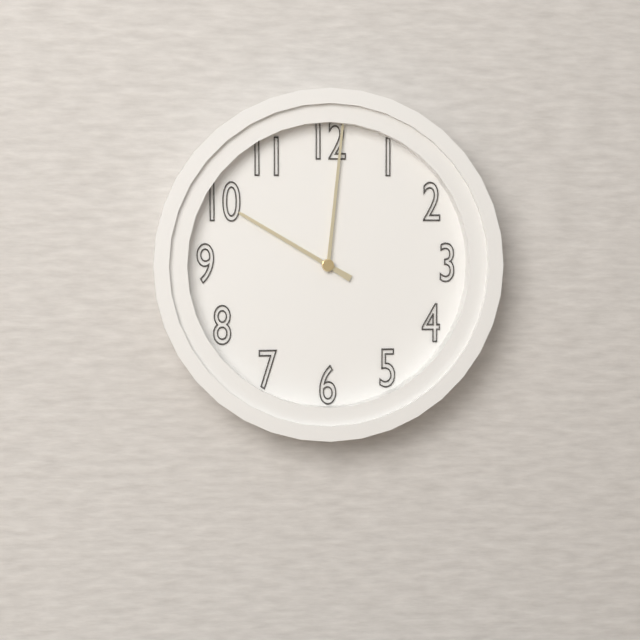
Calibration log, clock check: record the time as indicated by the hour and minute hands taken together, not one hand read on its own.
10:01
